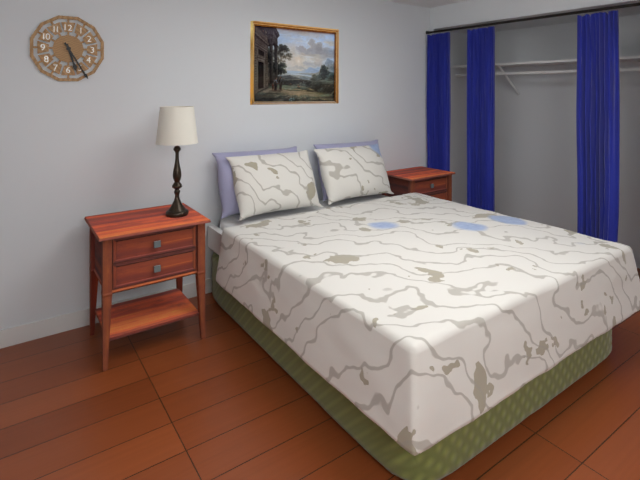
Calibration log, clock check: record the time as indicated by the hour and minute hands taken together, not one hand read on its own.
5:25
